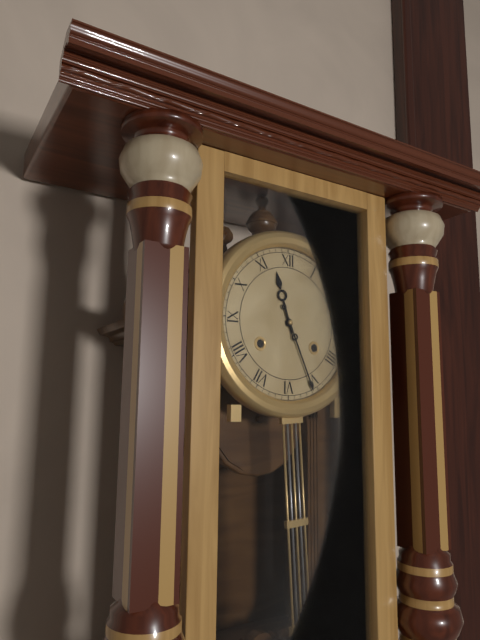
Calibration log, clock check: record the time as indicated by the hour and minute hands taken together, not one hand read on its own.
11:26
